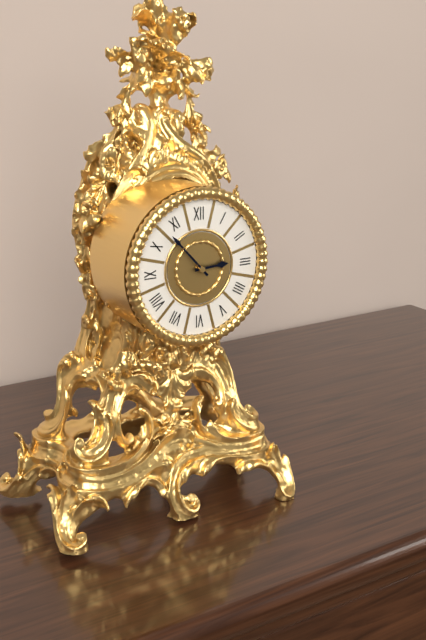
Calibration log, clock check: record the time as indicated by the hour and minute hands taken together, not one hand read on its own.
2:53
